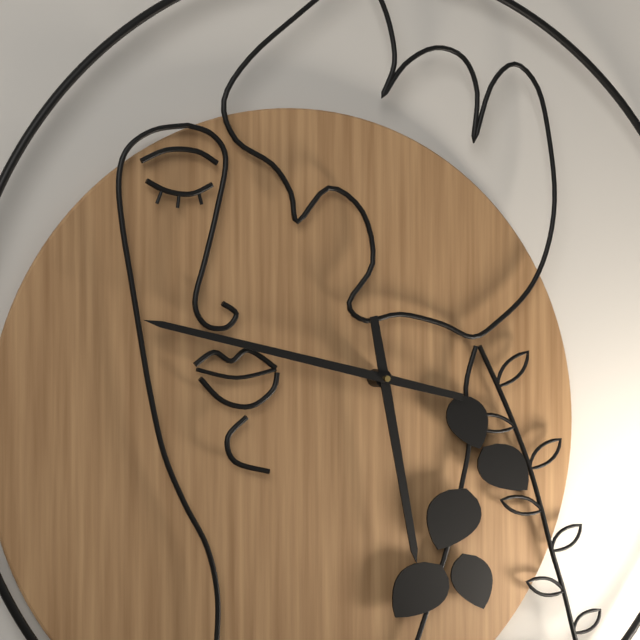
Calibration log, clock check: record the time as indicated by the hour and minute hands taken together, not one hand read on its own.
5:48
